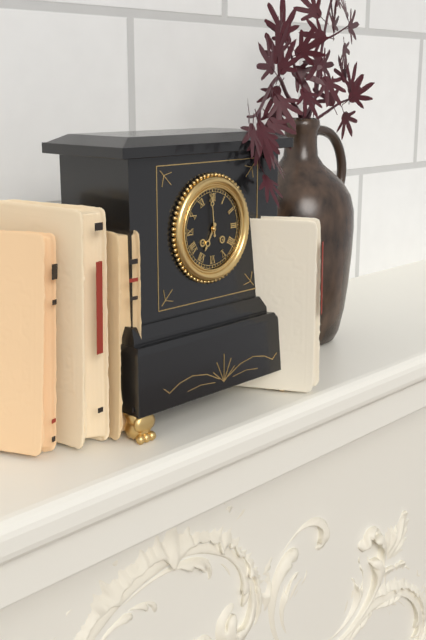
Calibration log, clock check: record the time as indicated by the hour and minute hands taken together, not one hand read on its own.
6:59
